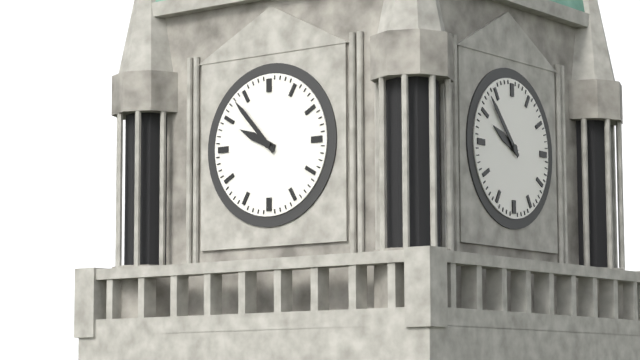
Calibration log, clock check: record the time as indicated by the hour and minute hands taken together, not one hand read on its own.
9:53
